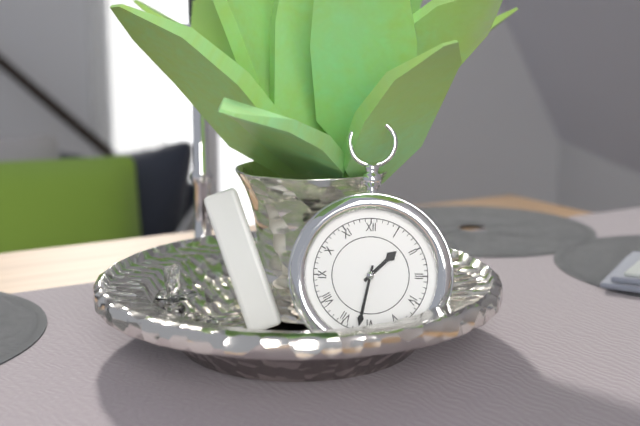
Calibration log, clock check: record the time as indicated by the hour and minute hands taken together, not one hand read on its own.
1:32
